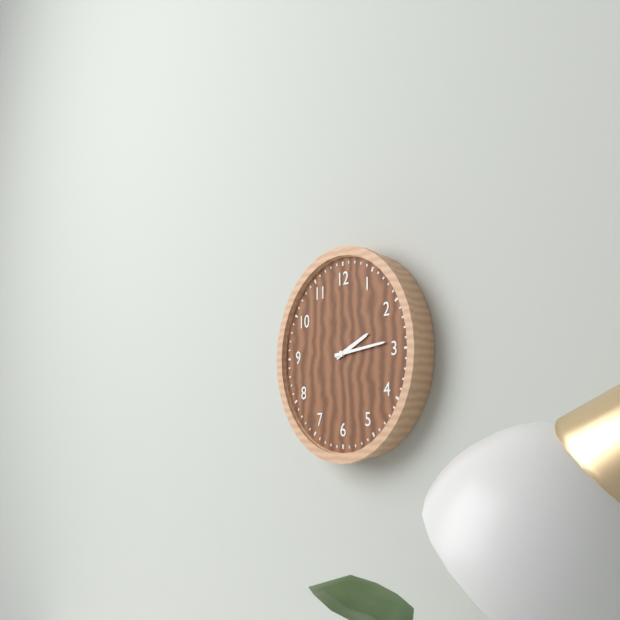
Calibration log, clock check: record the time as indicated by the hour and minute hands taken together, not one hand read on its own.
2:14
